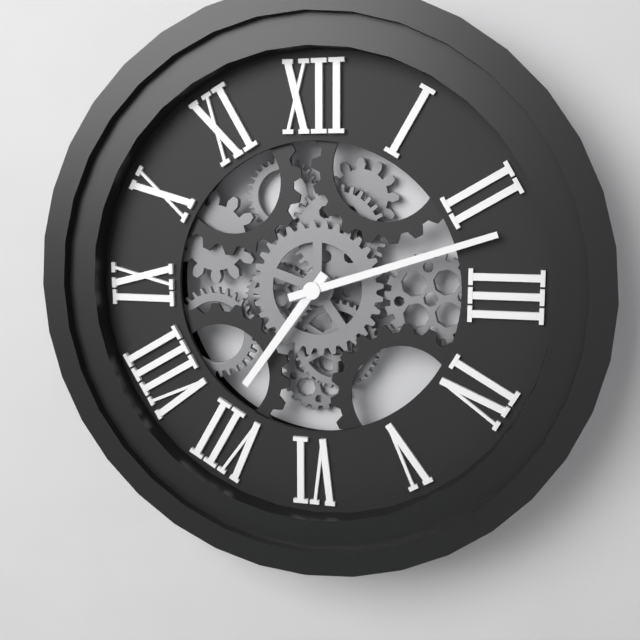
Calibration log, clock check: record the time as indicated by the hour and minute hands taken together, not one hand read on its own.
7:12
